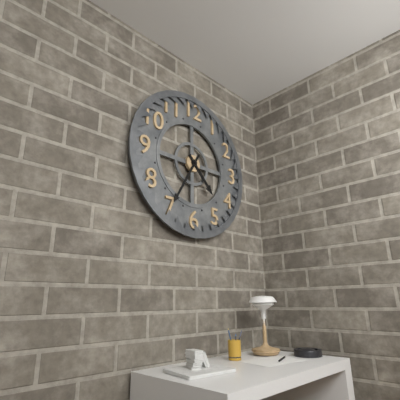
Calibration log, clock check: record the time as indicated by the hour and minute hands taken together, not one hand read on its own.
4:35
